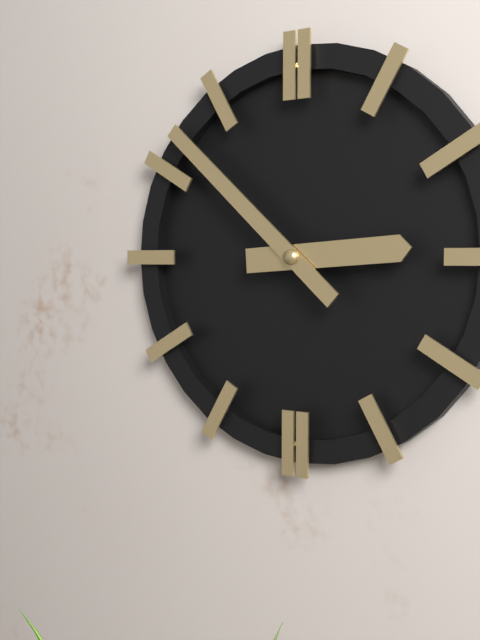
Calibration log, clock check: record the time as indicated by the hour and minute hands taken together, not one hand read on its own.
2:52
